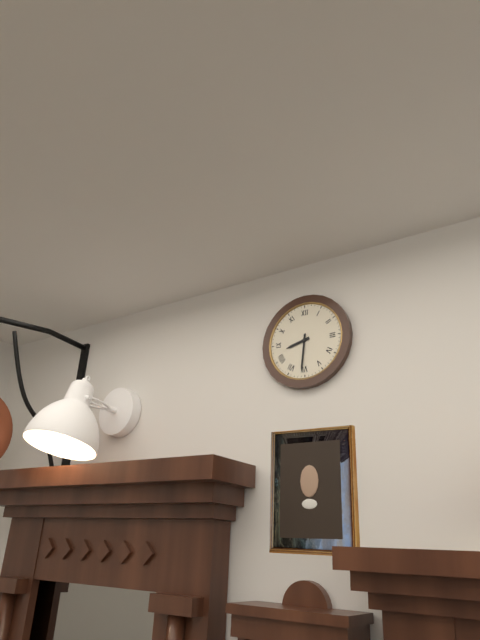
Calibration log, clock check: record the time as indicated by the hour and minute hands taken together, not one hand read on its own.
8:31
